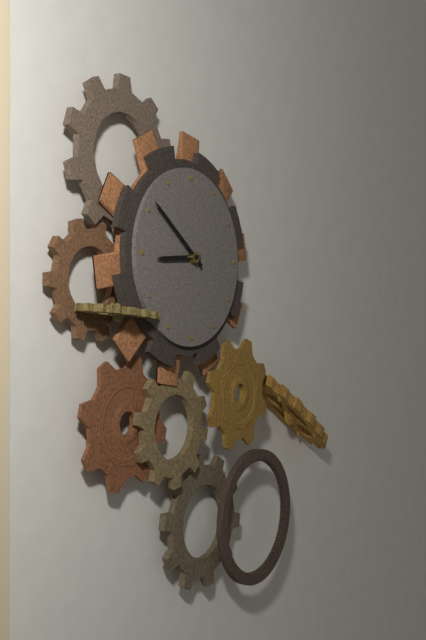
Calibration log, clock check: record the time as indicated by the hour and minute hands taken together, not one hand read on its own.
8:51
